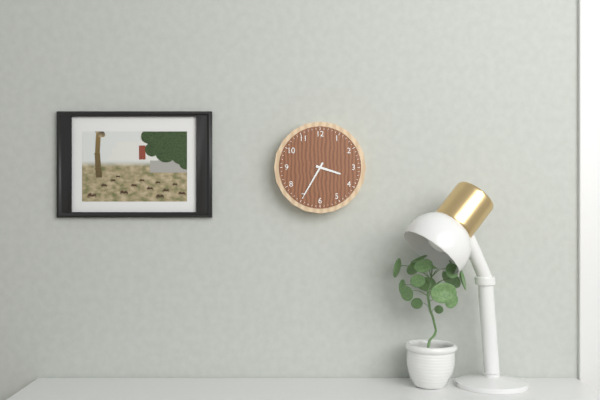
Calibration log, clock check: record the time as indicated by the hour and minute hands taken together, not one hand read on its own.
3:35
